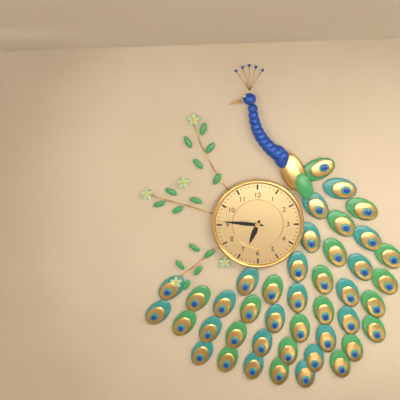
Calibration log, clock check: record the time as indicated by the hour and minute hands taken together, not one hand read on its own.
6:46
